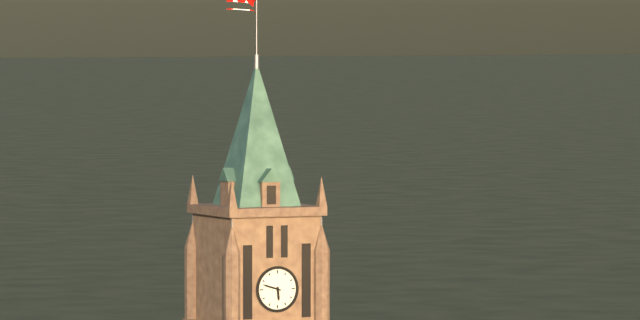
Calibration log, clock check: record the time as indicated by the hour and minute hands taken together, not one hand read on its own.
5:48
